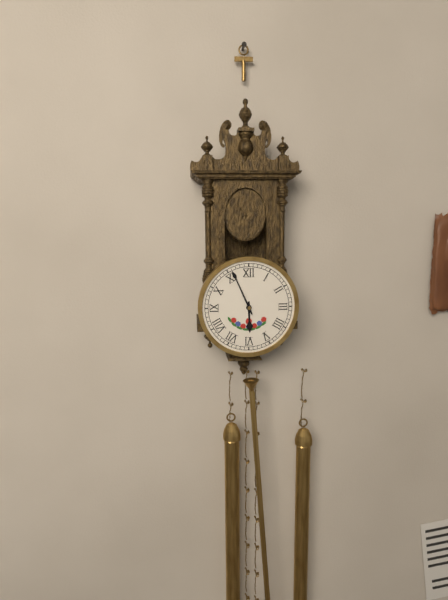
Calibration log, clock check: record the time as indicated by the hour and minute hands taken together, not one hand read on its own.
5:56
